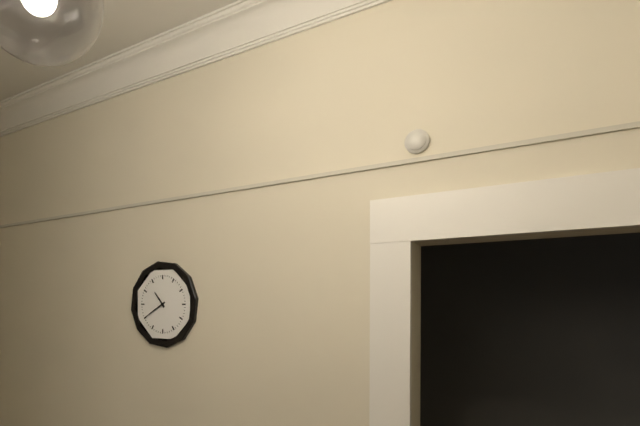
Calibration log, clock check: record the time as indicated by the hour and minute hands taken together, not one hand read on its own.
10:40
